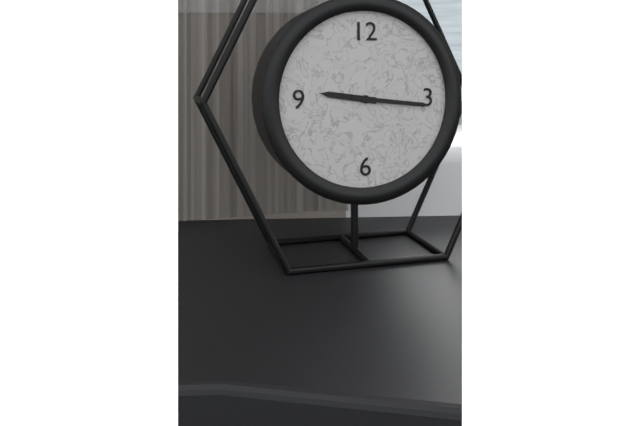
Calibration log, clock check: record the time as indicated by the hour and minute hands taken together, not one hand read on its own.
9:16
